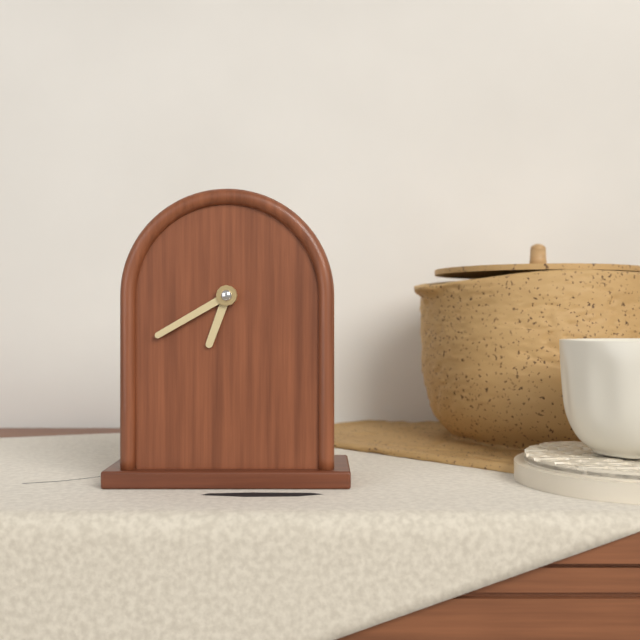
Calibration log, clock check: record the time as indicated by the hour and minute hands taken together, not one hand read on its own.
6:40
